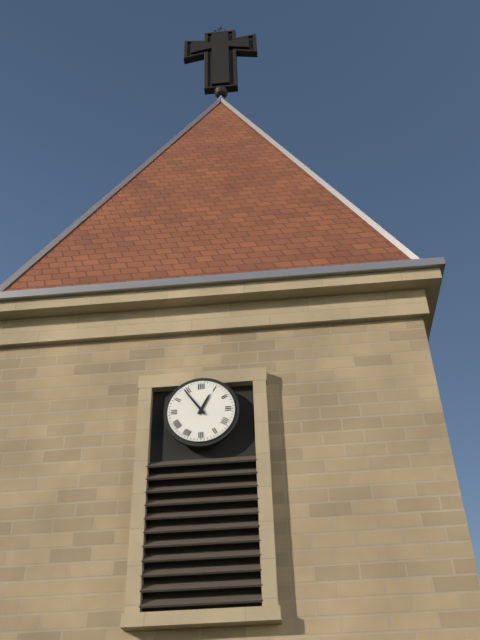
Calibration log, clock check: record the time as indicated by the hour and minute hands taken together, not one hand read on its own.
12:54
